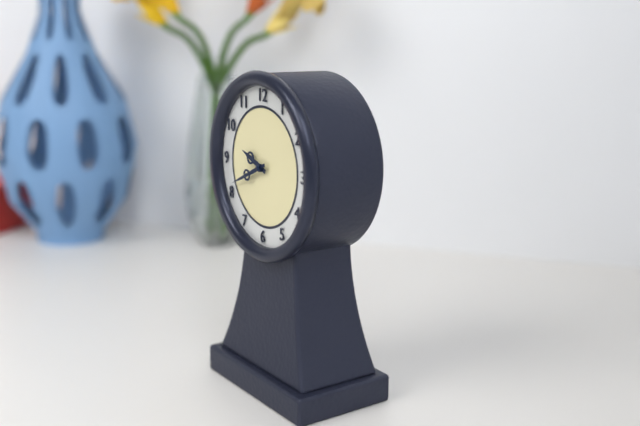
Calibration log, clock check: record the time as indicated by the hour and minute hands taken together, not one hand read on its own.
9:41
